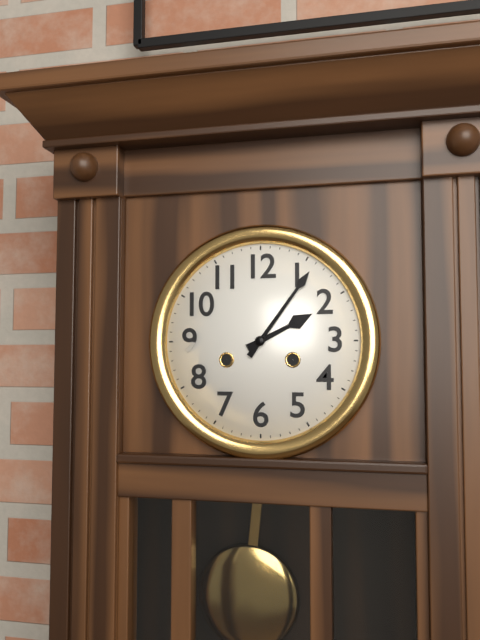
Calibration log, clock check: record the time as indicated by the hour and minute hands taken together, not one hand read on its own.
2:06
